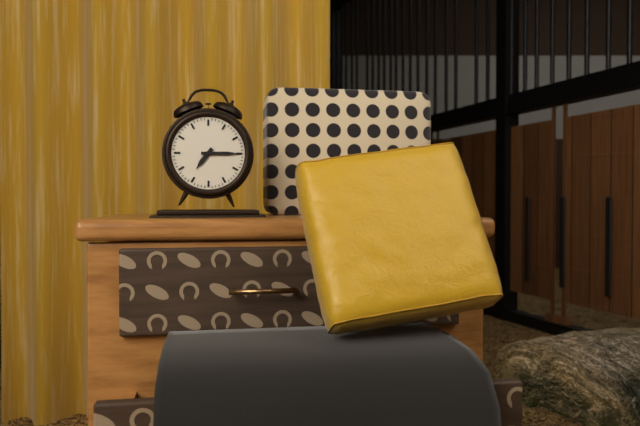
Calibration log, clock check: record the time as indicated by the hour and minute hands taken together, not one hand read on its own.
7:15
